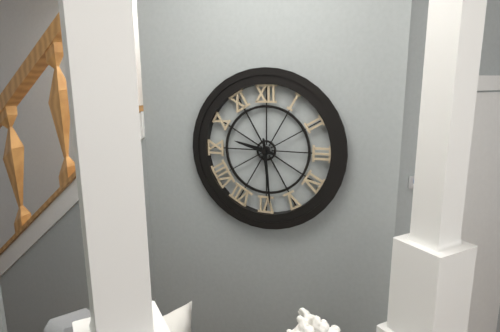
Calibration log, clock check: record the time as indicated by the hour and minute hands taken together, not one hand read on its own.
9:29
